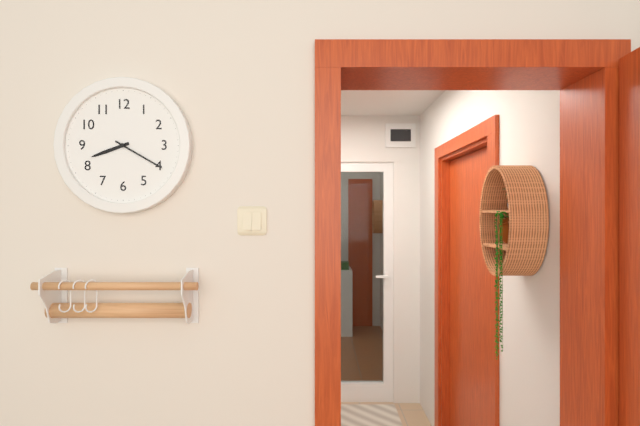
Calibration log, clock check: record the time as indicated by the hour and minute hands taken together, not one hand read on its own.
8:20
